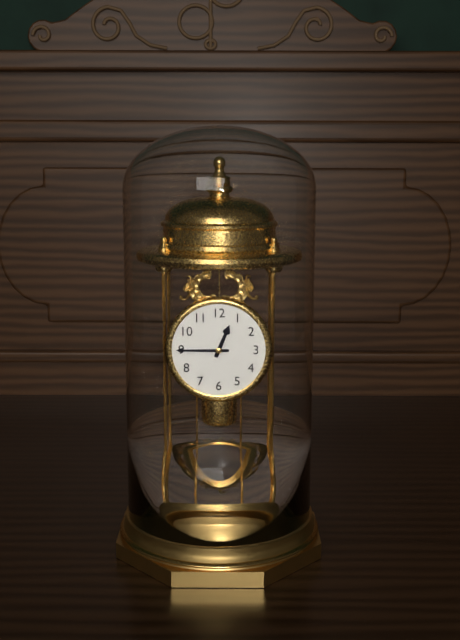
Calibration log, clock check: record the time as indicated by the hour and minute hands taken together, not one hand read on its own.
12:45
